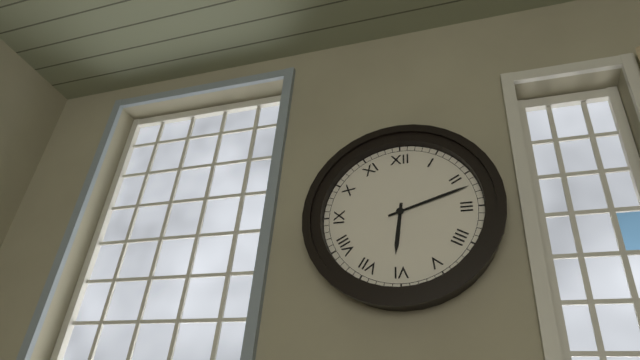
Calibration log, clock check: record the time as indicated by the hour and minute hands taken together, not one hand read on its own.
6:12
